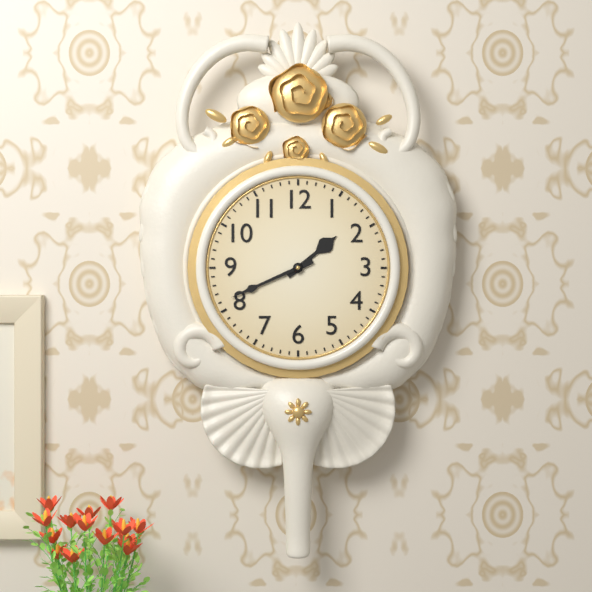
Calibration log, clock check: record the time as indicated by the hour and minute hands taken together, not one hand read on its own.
1:41
